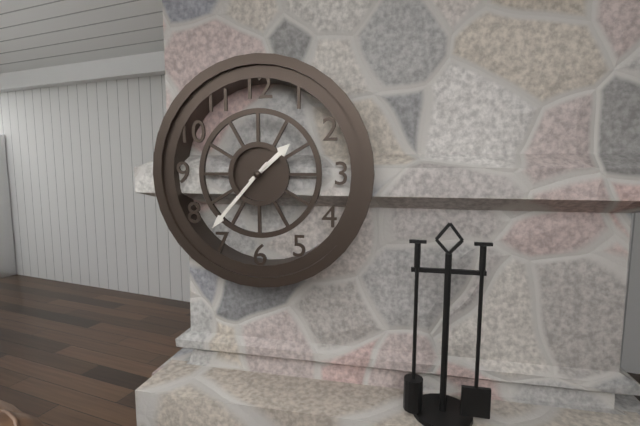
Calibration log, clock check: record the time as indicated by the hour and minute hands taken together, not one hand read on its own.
1:37
